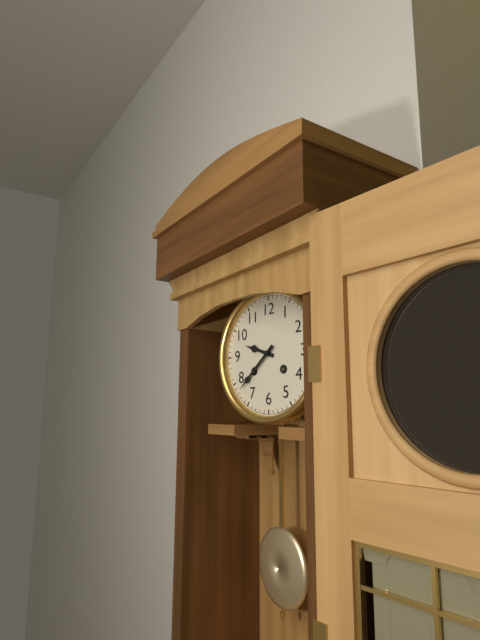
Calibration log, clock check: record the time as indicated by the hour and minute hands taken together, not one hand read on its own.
9:38
